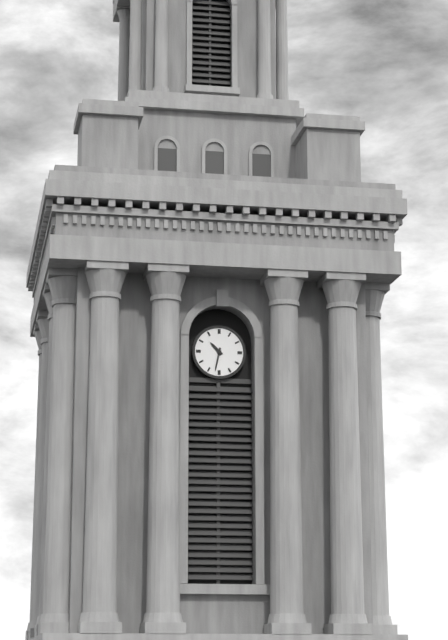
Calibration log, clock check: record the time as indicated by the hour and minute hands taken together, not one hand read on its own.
10:32
